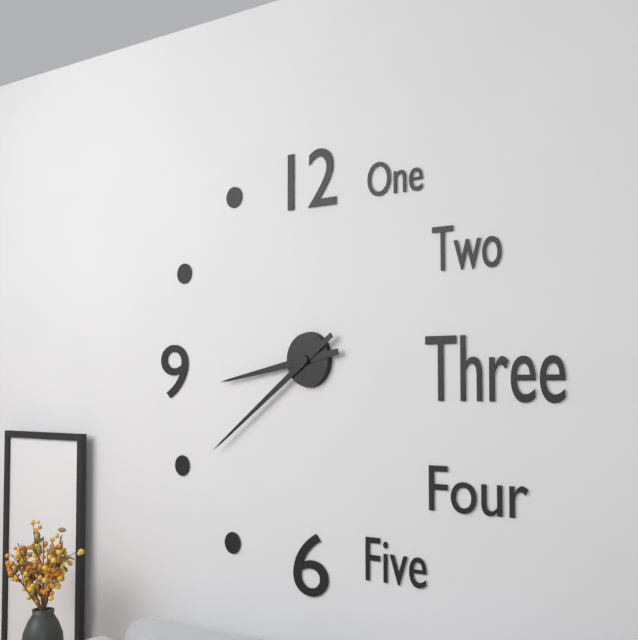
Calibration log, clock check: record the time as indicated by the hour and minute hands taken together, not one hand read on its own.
8:39
